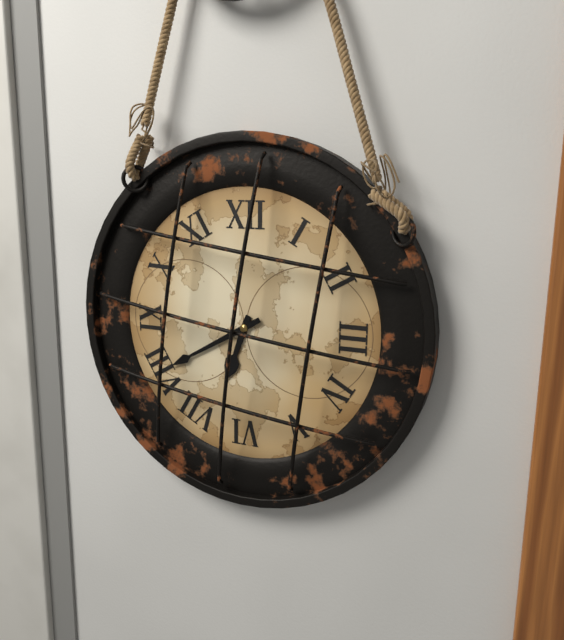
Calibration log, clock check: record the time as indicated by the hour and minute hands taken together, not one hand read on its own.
6:40
